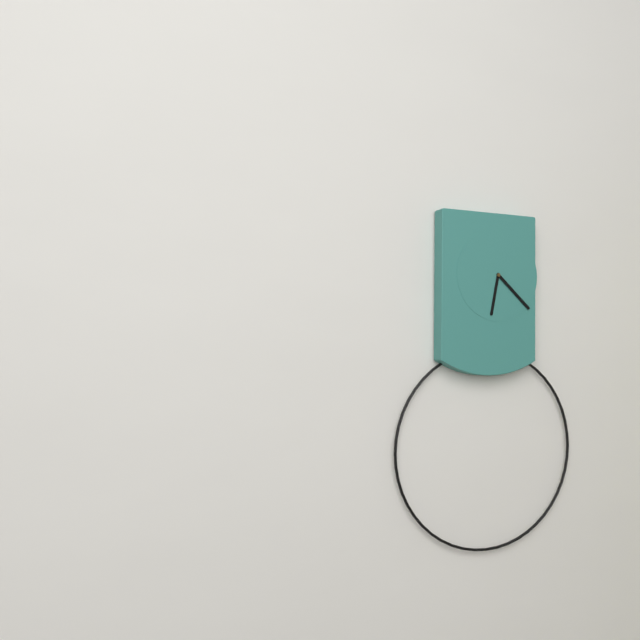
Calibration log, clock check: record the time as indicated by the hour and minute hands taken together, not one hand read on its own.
6:22
